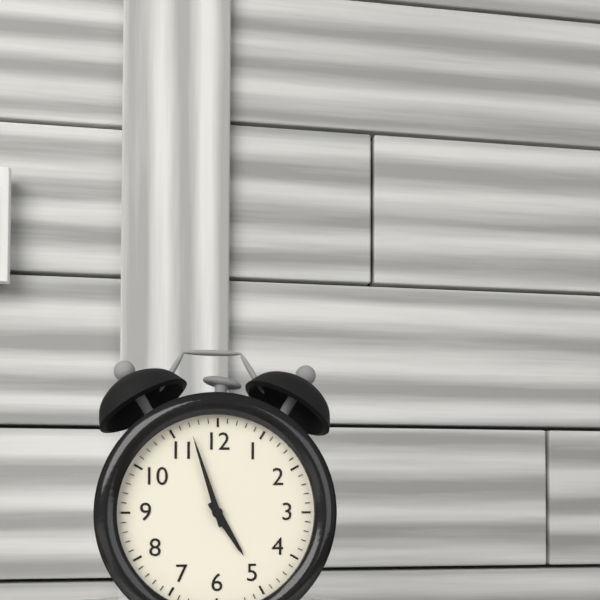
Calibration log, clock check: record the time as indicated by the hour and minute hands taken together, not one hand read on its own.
4:57
